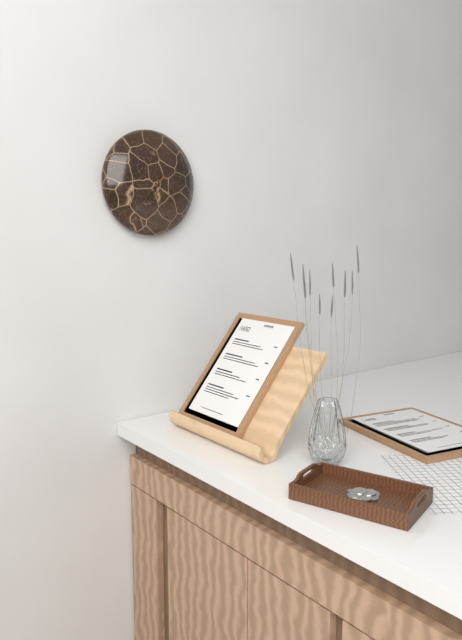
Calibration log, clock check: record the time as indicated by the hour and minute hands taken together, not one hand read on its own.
6:36
